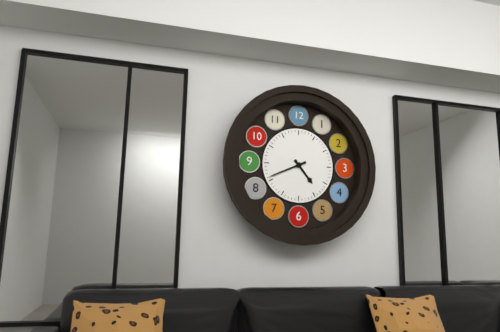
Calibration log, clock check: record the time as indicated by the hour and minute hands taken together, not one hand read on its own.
4:41
